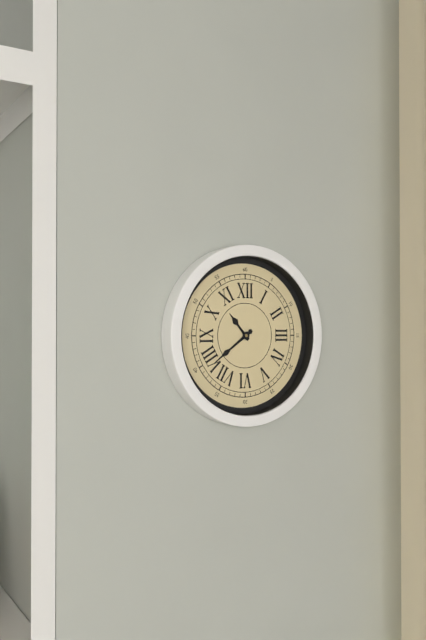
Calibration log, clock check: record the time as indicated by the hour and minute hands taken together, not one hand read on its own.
10:39
